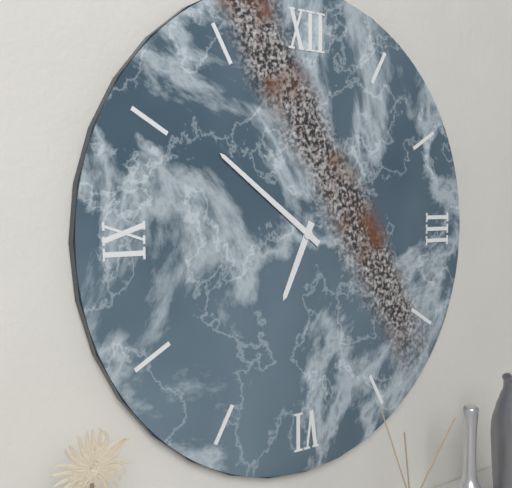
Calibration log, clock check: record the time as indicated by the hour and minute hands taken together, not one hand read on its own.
6:51
